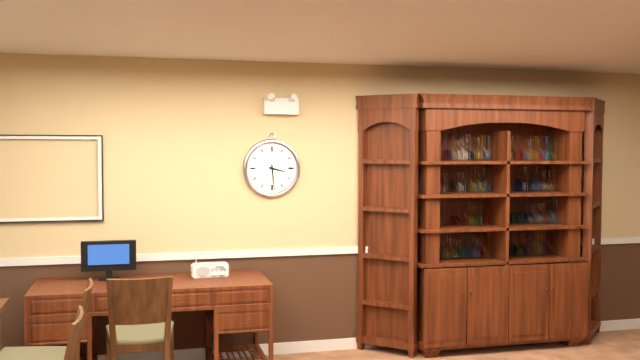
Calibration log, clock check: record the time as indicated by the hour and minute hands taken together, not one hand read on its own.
3:29
